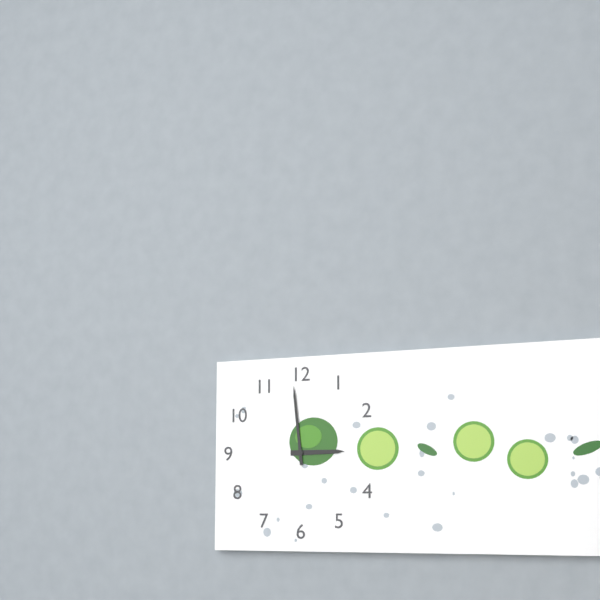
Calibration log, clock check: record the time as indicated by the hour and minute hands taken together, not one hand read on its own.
2:59
